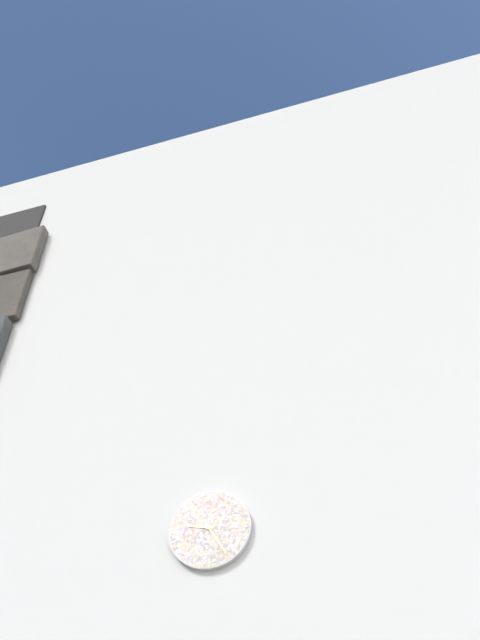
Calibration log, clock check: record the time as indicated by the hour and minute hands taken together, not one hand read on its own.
9:25
